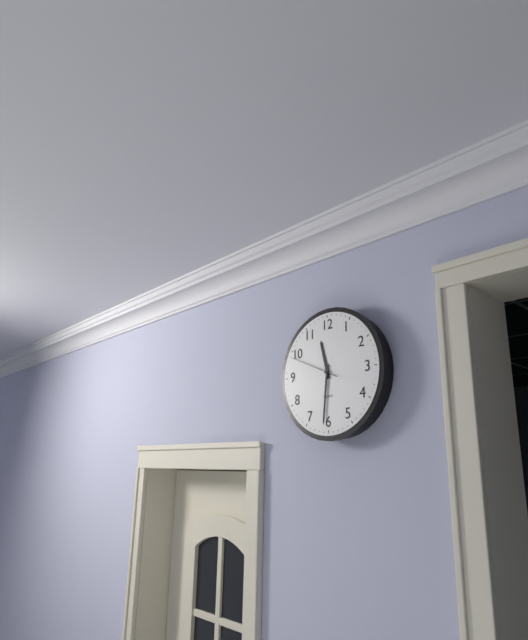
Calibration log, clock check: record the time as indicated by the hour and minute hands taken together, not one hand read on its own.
11:31
